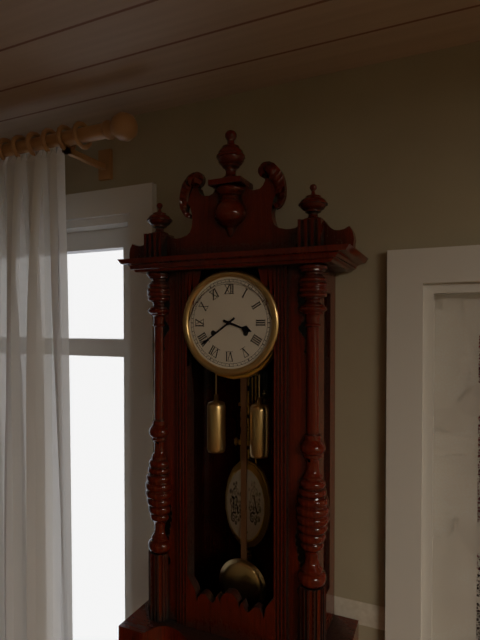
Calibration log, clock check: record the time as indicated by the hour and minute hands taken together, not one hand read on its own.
3:39
